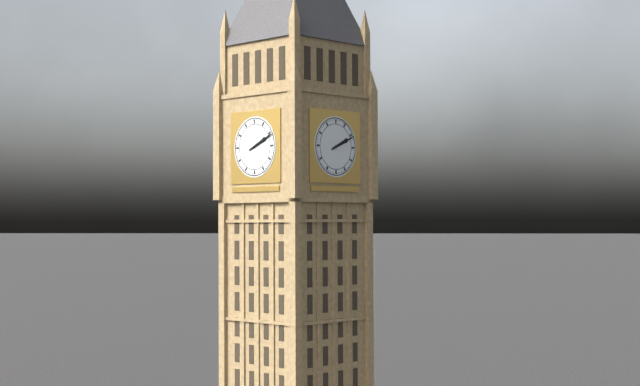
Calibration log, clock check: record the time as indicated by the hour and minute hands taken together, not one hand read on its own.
2:11
